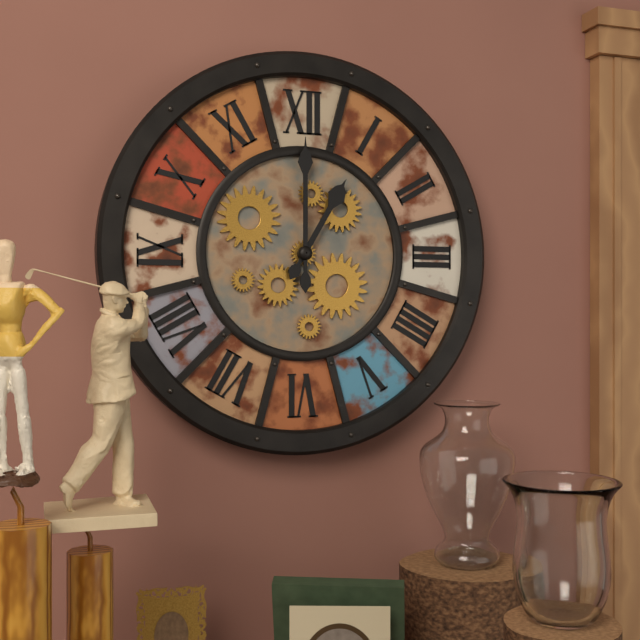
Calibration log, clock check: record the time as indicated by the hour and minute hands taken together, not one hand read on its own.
1:00
